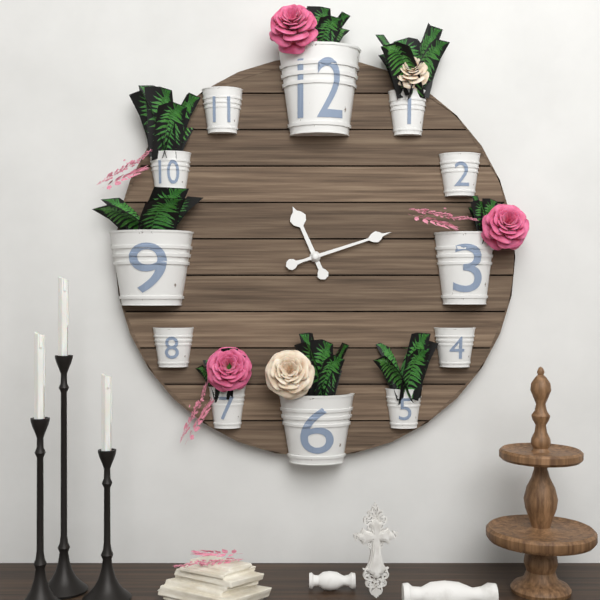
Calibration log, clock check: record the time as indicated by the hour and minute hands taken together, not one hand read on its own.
11:12
